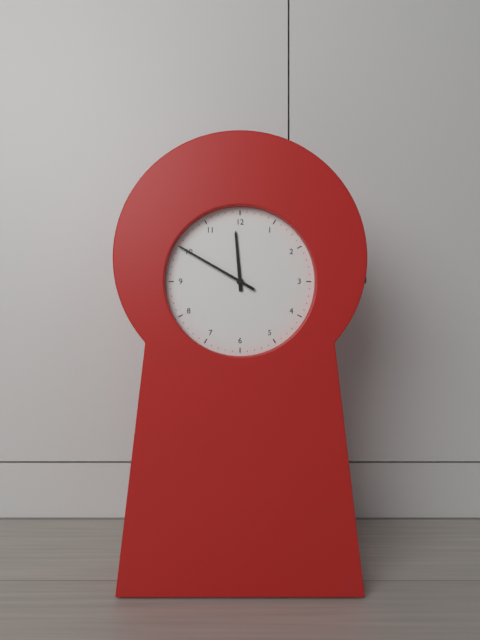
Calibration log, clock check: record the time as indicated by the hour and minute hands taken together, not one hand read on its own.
11:50
